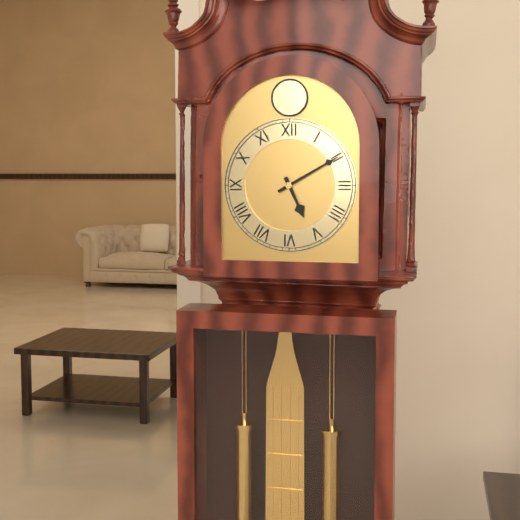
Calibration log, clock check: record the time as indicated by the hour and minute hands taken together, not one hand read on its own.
5:10
